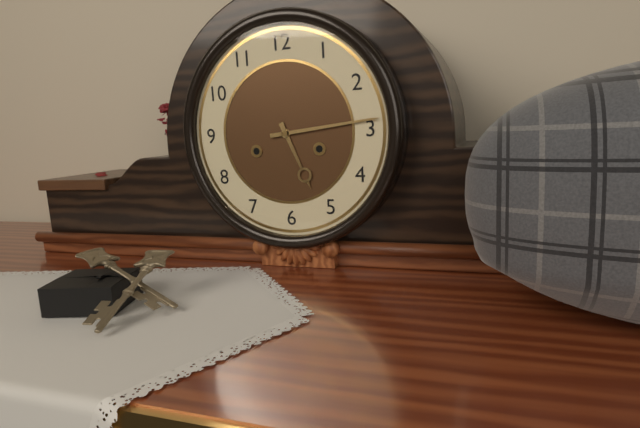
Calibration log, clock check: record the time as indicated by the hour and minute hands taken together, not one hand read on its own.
5:14
